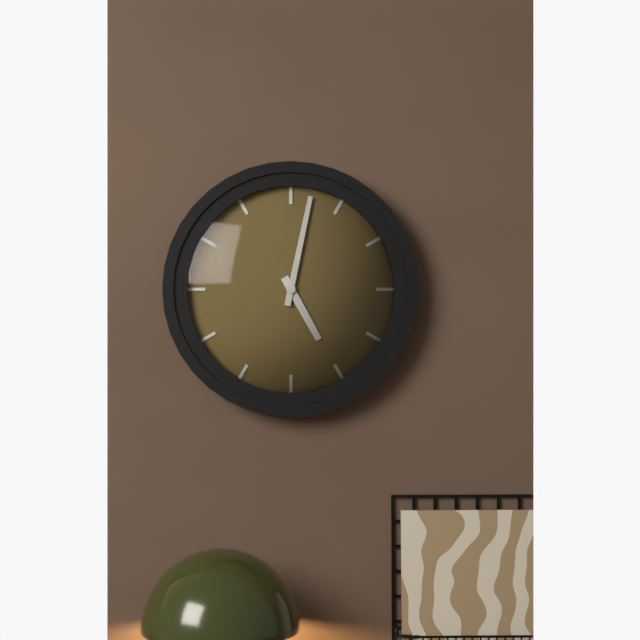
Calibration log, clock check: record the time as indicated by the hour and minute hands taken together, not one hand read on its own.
5:02
